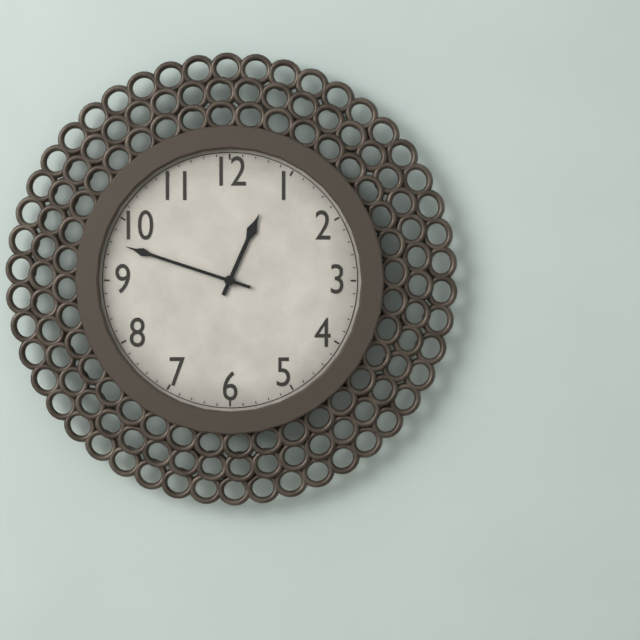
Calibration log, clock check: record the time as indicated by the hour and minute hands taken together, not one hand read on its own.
12:48
